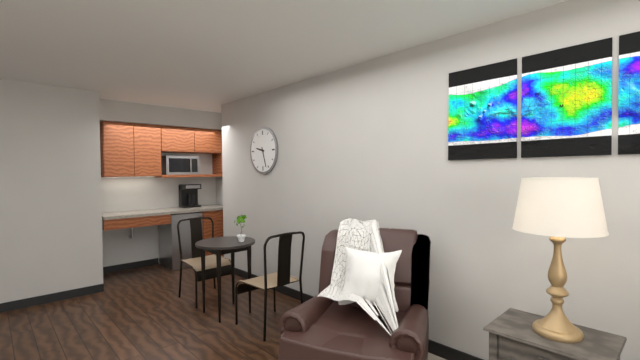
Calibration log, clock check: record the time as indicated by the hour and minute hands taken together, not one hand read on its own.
9:27
